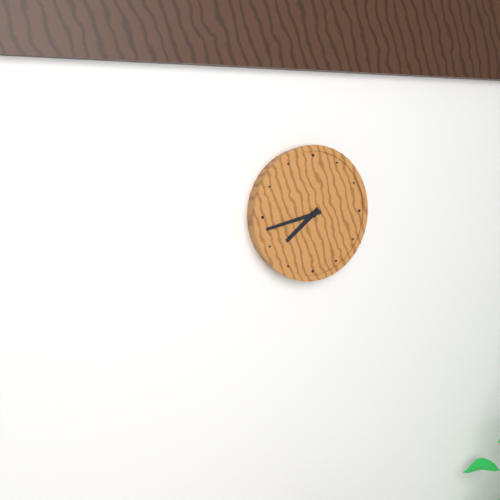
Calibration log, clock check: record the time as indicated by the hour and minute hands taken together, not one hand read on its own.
7:43
